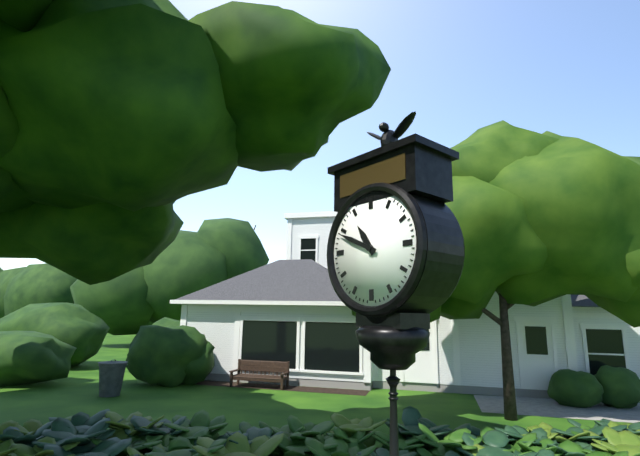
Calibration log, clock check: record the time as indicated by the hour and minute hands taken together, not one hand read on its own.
10:49
